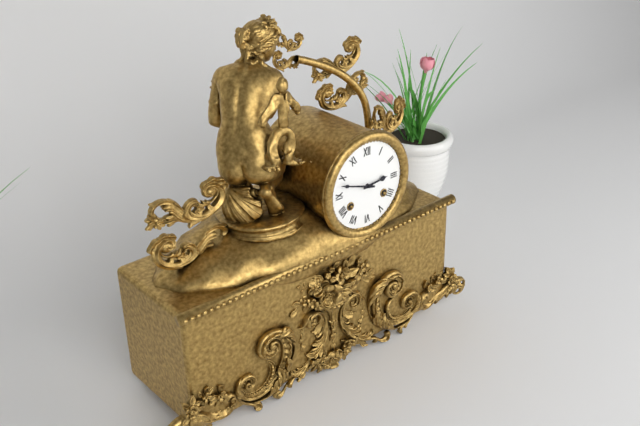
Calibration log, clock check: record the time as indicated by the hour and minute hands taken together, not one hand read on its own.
2:48
